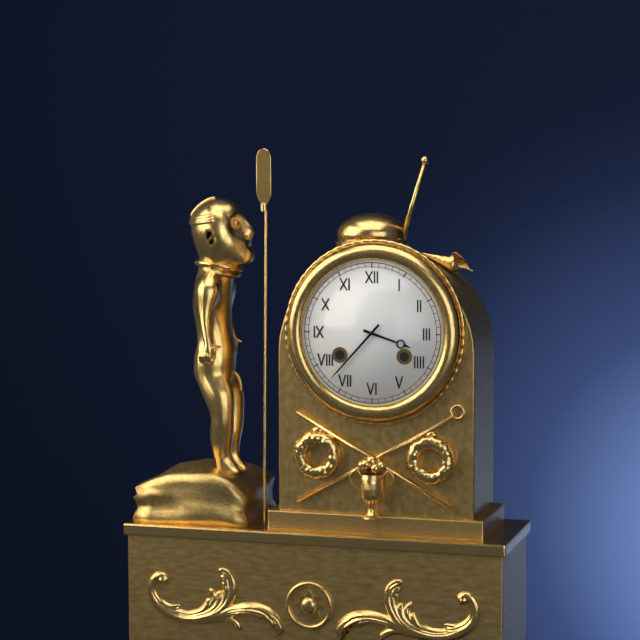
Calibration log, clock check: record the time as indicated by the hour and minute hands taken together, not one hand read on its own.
3:37
